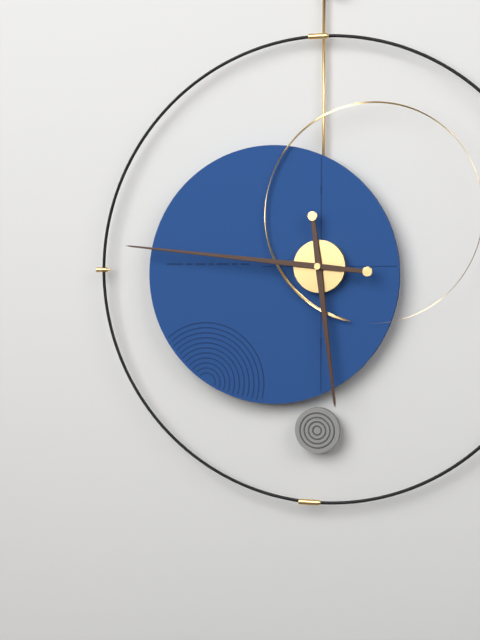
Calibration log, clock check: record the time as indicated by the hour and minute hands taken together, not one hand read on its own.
5:46
